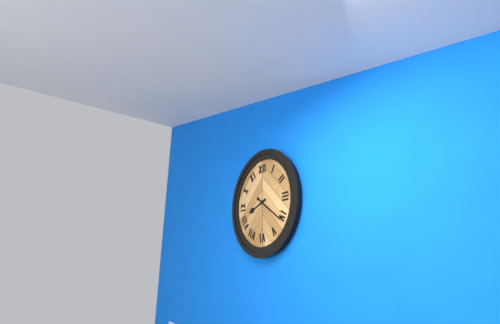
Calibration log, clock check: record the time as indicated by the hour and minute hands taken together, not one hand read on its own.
8:21
